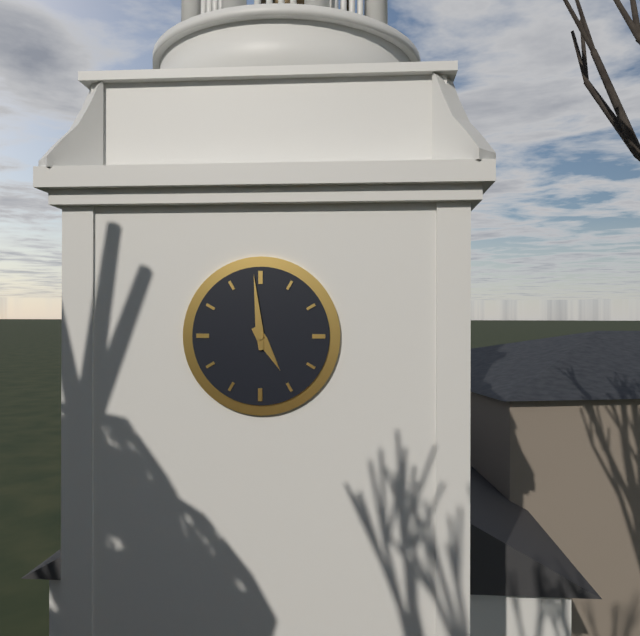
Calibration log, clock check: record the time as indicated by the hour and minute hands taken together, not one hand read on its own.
4:59
